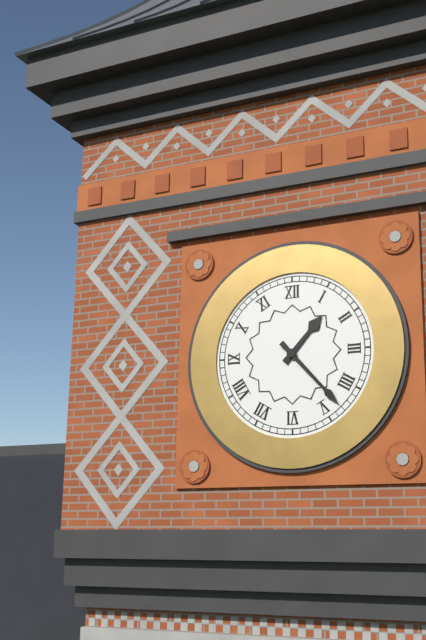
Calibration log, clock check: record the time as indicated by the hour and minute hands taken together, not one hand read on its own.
1:23
